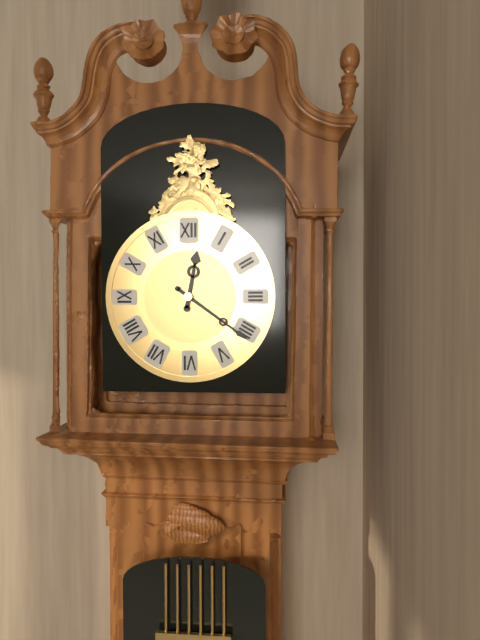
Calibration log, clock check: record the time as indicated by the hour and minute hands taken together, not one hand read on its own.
12:21
